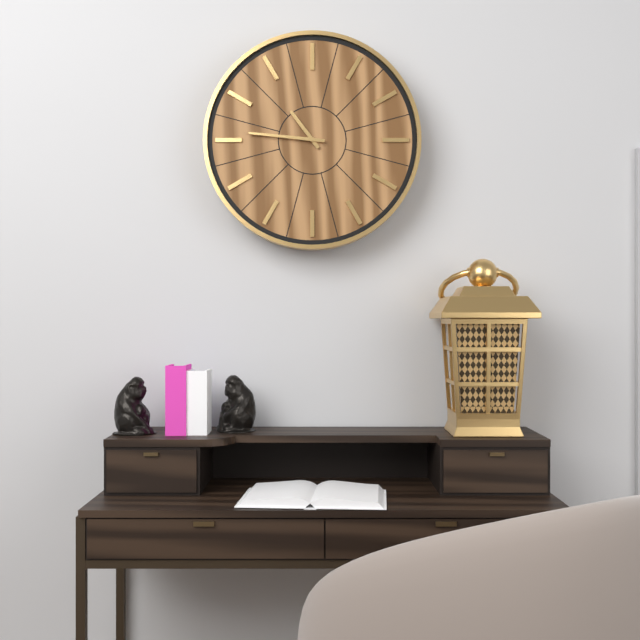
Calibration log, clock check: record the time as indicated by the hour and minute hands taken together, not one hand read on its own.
10:46
